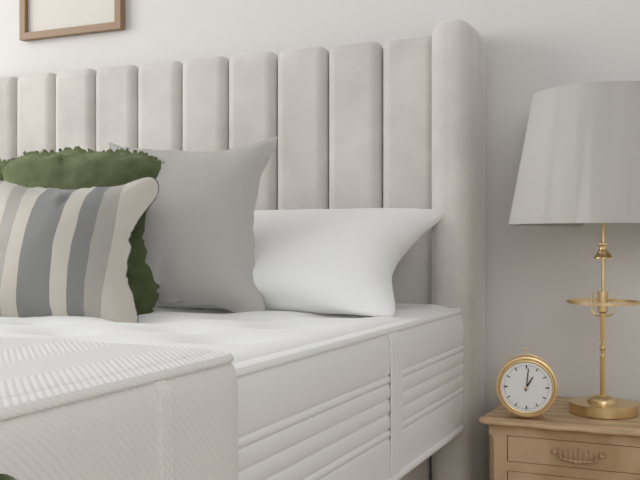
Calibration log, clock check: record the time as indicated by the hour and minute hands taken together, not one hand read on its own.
1:01
